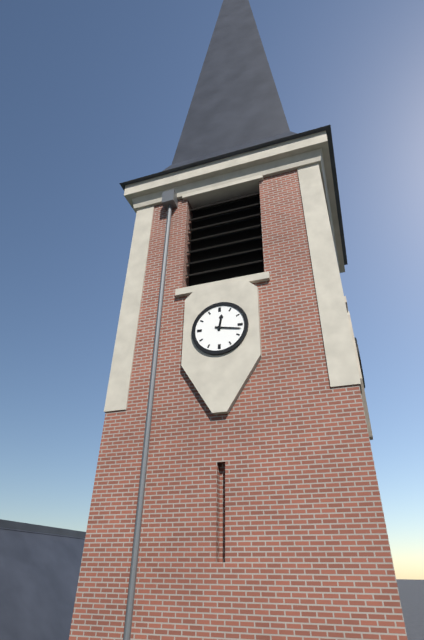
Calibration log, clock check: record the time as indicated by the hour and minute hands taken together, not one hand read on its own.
12:17
